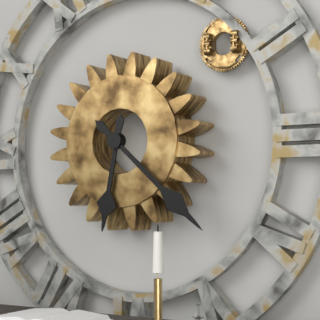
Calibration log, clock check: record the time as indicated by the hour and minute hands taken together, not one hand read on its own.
6:22
